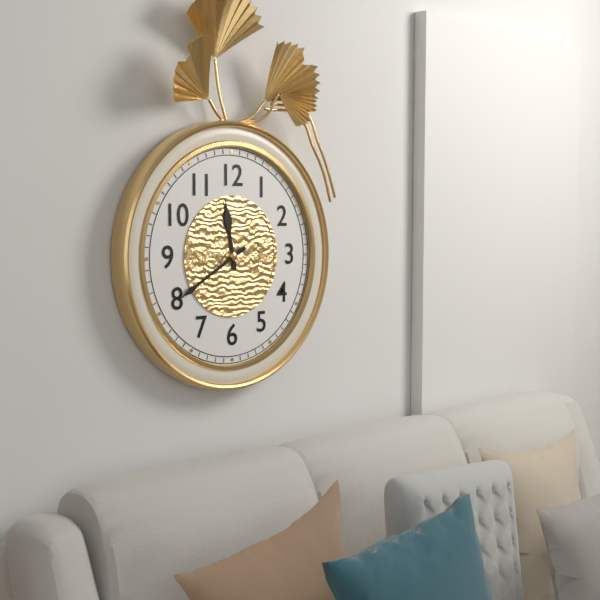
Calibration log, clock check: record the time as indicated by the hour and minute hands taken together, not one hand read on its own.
11:40
